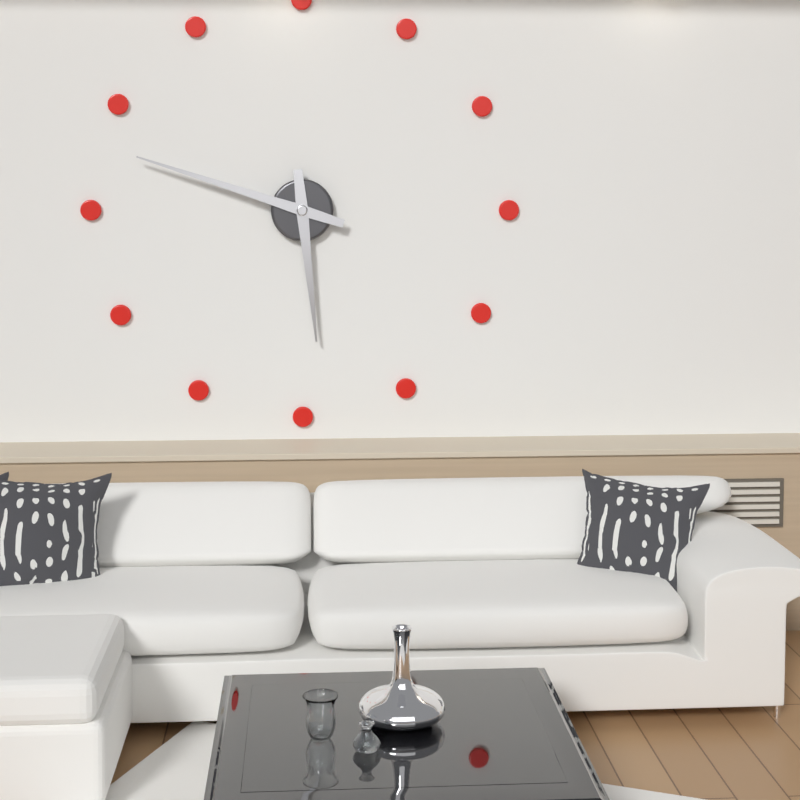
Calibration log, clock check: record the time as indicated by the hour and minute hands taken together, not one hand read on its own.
5:48
